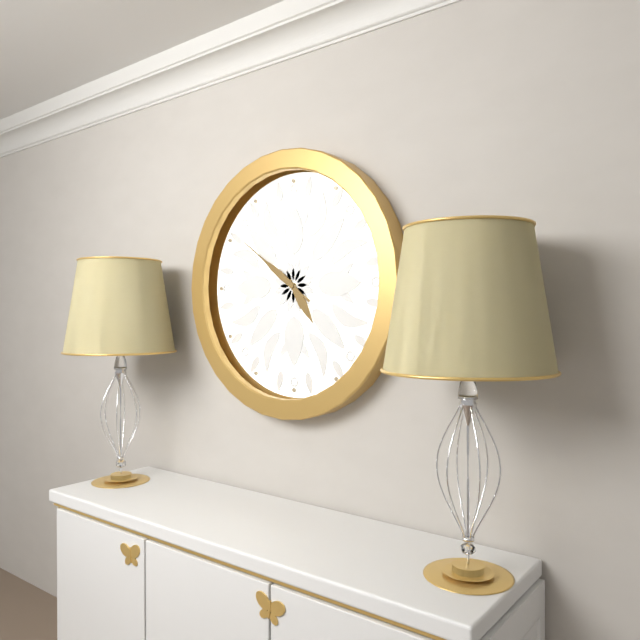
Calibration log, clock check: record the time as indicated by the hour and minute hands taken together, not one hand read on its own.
4:51
